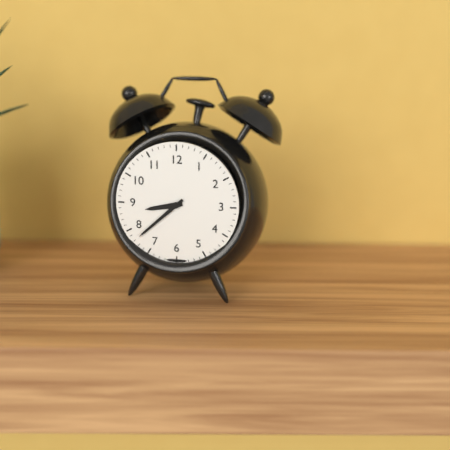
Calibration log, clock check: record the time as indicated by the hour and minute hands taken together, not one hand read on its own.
8:38
